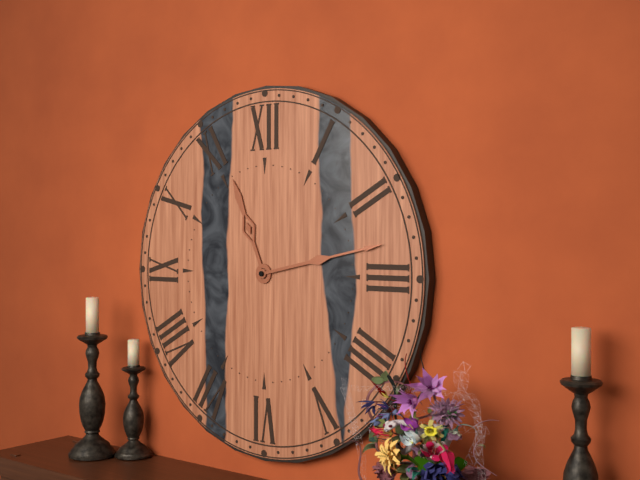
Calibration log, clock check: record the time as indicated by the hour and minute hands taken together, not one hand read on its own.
11:13
